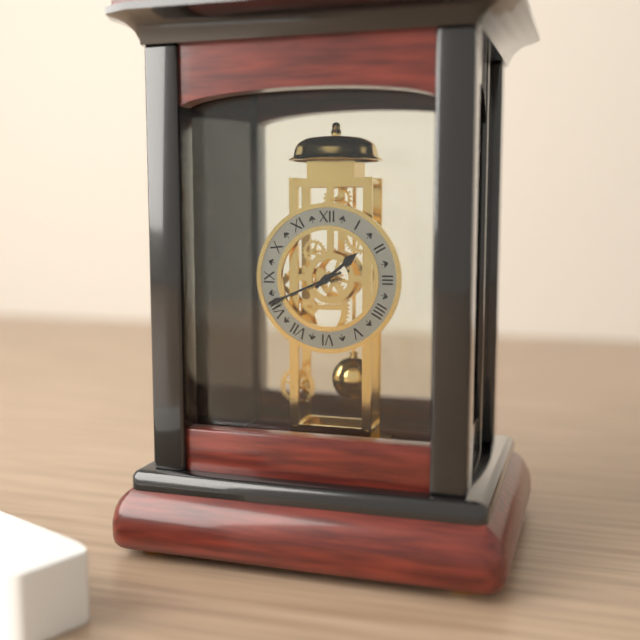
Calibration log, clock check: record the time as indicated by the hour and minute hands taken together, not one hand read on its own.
1:41
